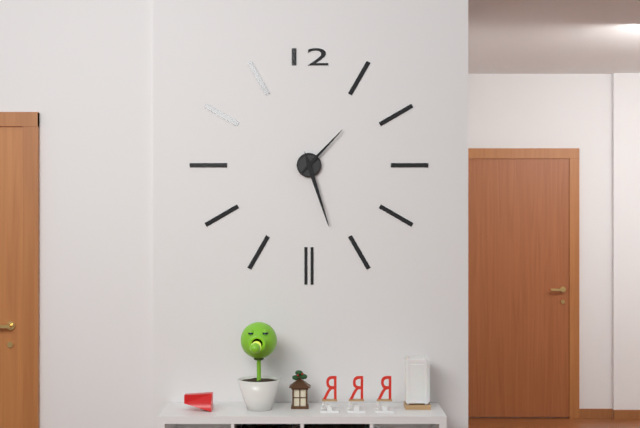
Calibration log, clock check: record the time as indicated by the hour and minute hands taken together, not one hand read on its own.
1:27
